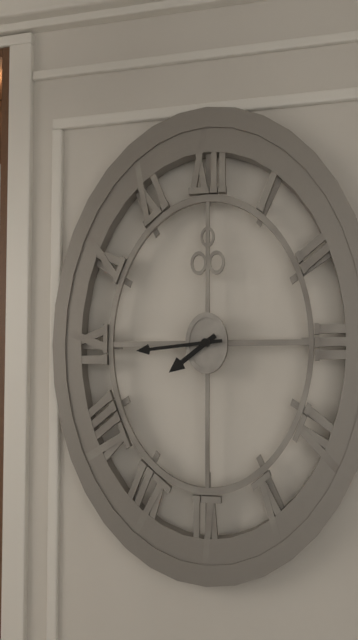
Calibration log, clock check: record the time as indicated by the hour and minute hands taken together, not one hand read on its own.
7:44
